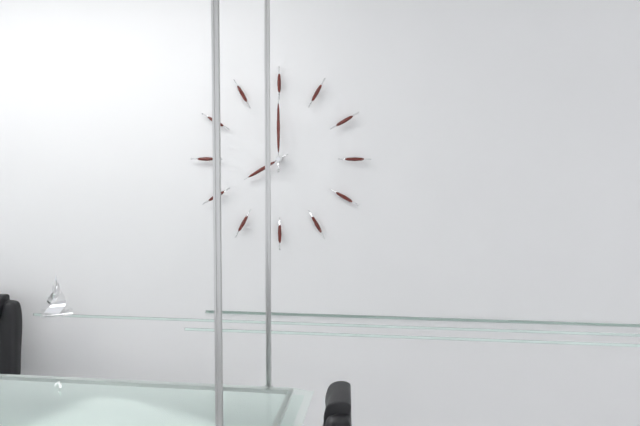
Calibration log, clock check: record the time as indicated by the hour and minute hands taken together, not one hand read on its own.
8:00
